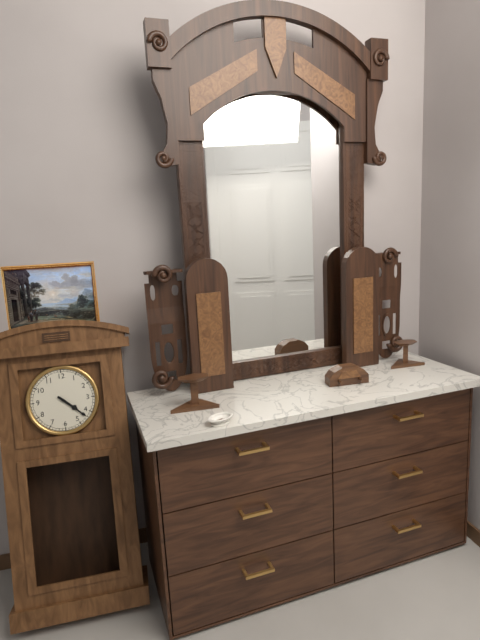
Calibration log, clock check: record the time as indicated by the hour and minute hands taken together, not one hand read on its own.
4:22
